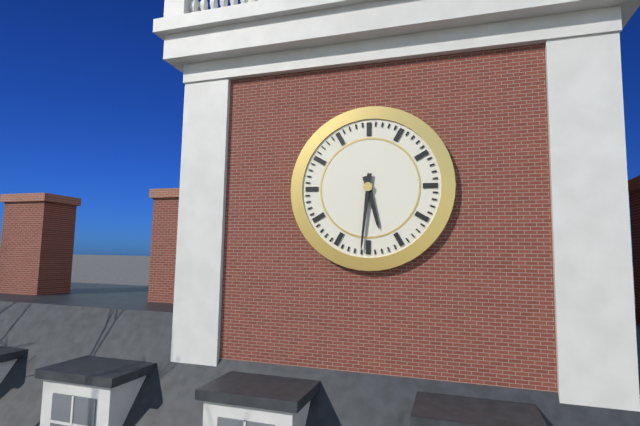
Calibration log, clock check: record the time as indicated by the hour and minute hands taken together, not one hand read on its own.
5:31
